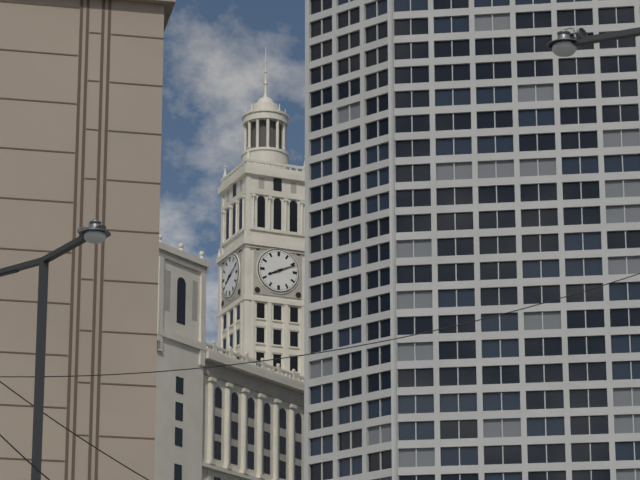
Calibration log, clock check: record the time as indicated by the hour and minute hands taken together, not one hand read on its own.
8:11
